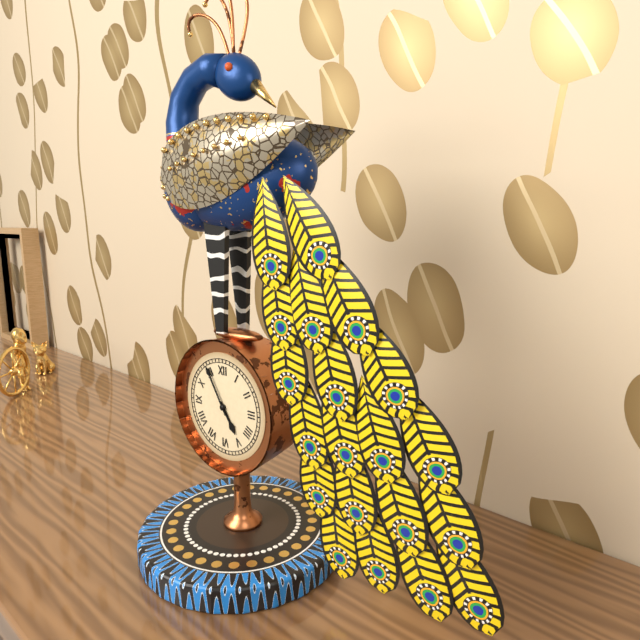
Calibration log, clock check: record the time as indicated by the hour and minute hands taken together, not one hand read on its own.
4:55
